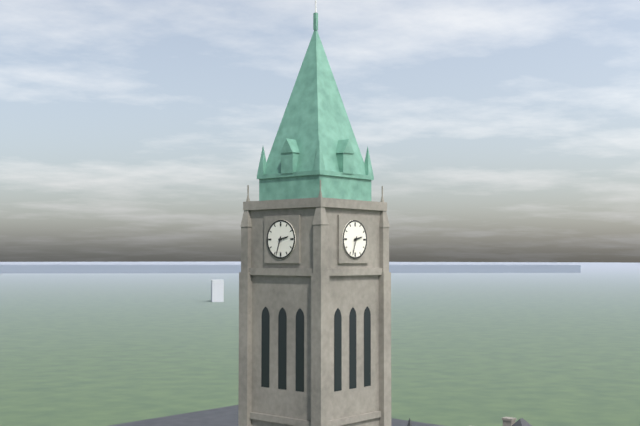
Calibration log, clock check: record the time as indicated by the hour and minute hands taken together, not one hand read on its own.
2:33
